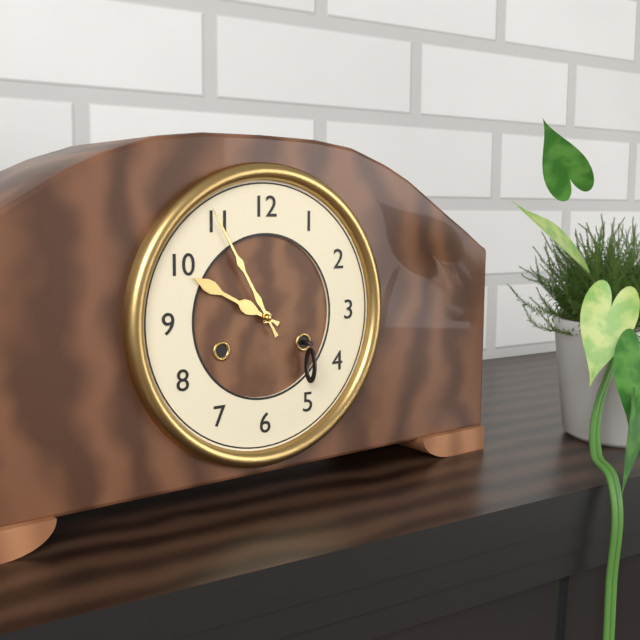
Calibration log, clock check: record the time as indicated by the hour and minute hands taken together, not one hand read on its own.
9:55
